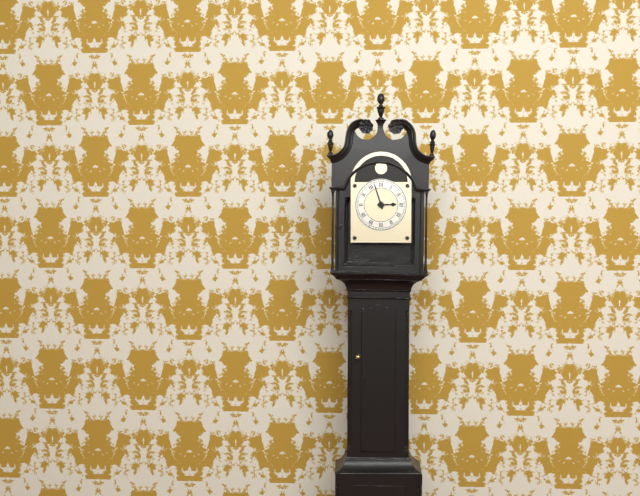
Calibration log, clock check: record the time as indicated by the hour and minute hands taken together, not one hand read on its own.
2:57
